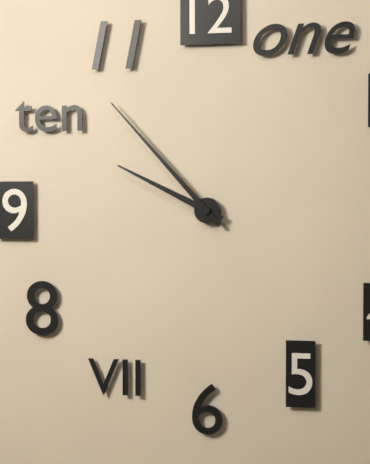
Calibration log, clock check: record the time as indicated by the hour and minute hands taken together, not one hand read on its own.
9:53
